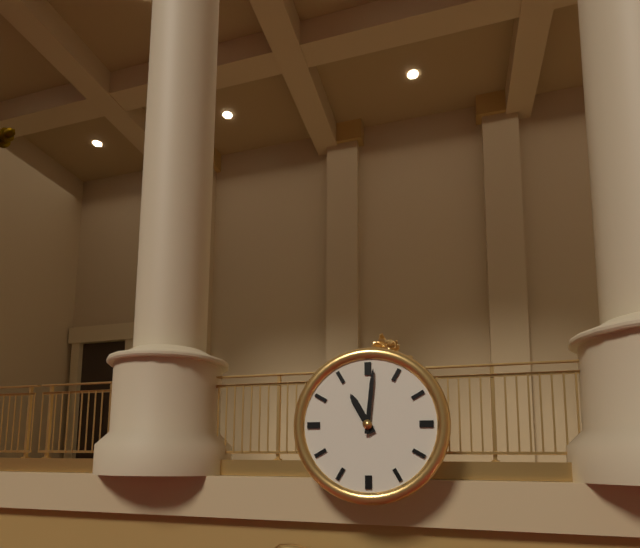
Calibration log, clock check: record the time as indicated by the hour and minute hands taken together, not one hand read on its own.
11:01
